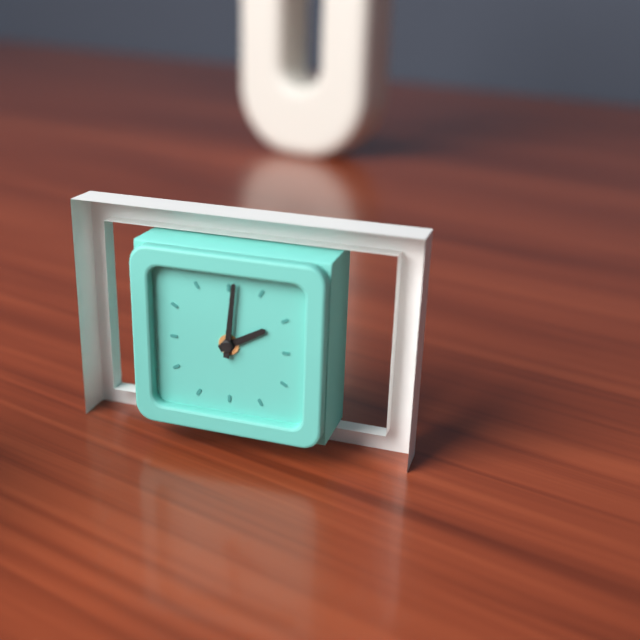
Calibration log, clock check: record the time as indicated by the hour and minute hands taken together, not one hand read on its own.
2:01
